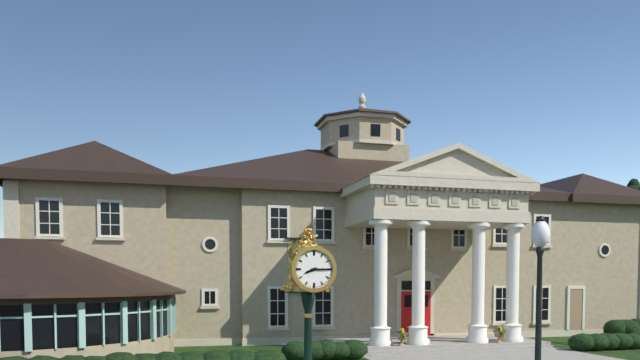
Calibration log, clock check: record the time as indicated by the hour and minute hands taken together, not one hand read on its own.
8:15
